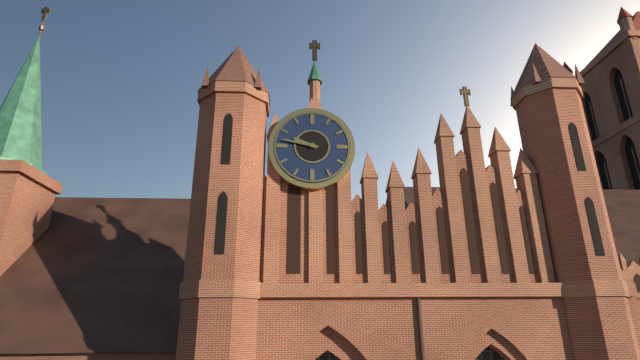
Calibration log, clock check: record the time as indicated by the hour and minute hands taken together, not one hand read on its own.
9:47
